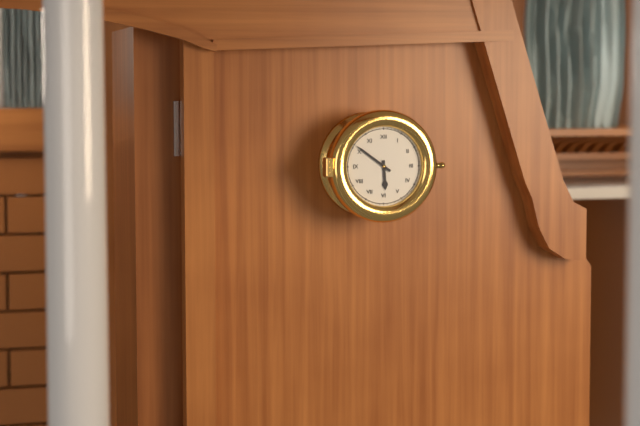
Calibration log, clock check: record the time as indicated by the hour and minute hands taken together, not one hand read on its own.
5:51
